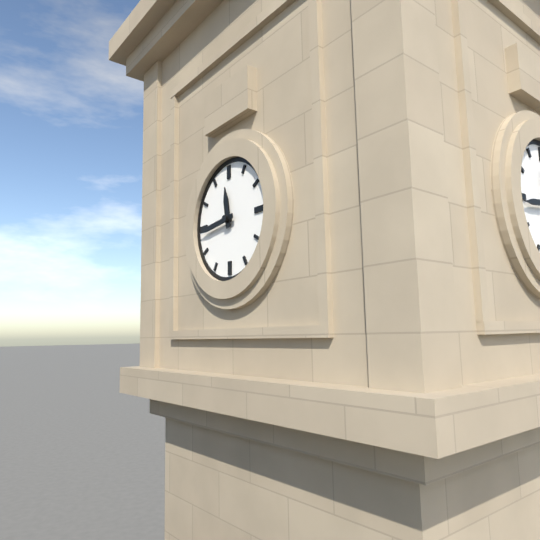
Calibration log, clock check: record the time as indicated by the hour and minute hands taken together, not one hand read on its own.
11:44
